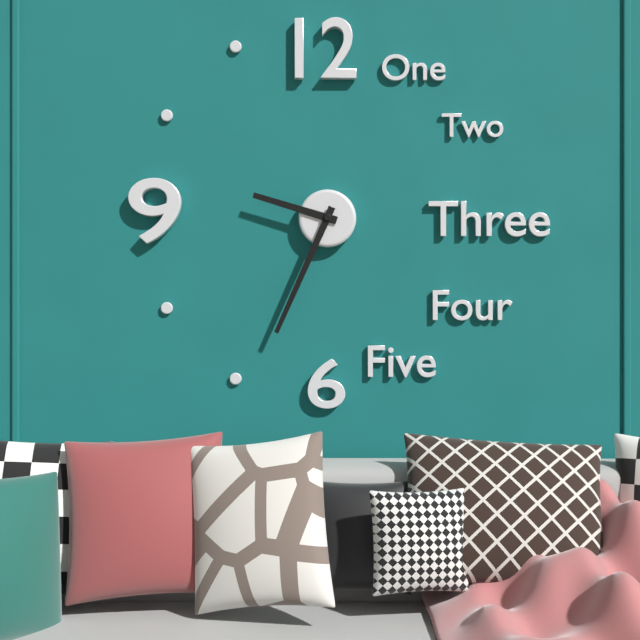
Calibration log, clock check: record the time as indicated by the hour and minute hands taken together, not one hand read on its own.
9:34
